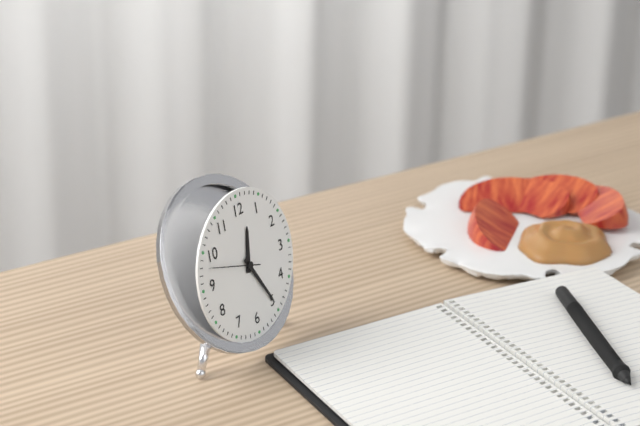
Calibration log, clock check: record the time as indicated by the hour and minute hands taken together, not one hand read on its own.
12:25
